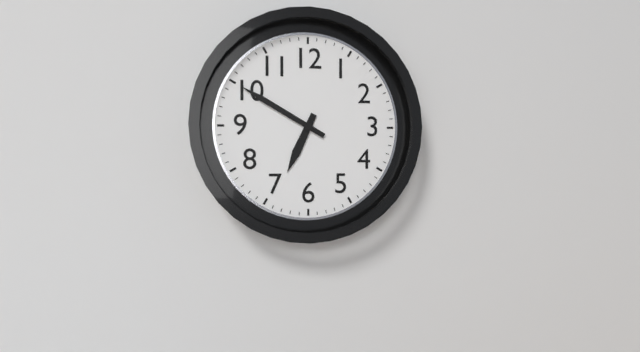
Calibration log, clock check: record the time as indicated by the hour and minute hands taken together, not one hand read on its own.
6:50
